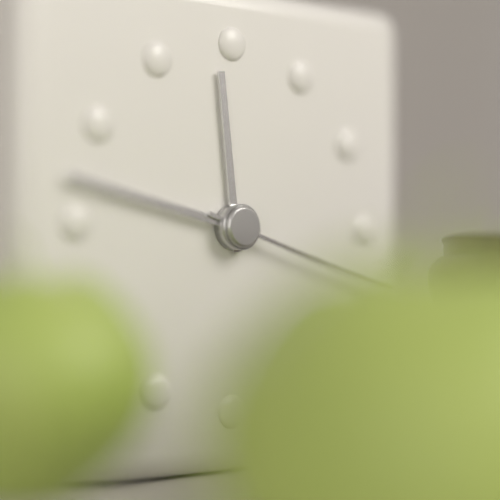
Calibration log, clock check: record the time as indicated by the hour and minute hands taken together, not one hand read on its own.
11:47
